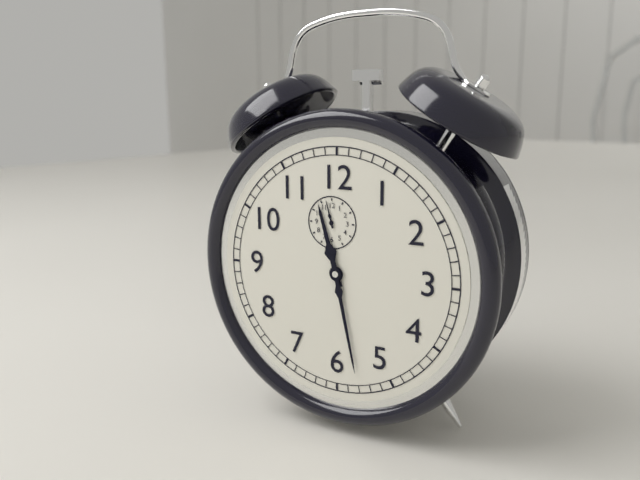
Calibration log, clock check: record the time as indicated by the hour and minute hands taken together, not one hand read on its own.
11:28
